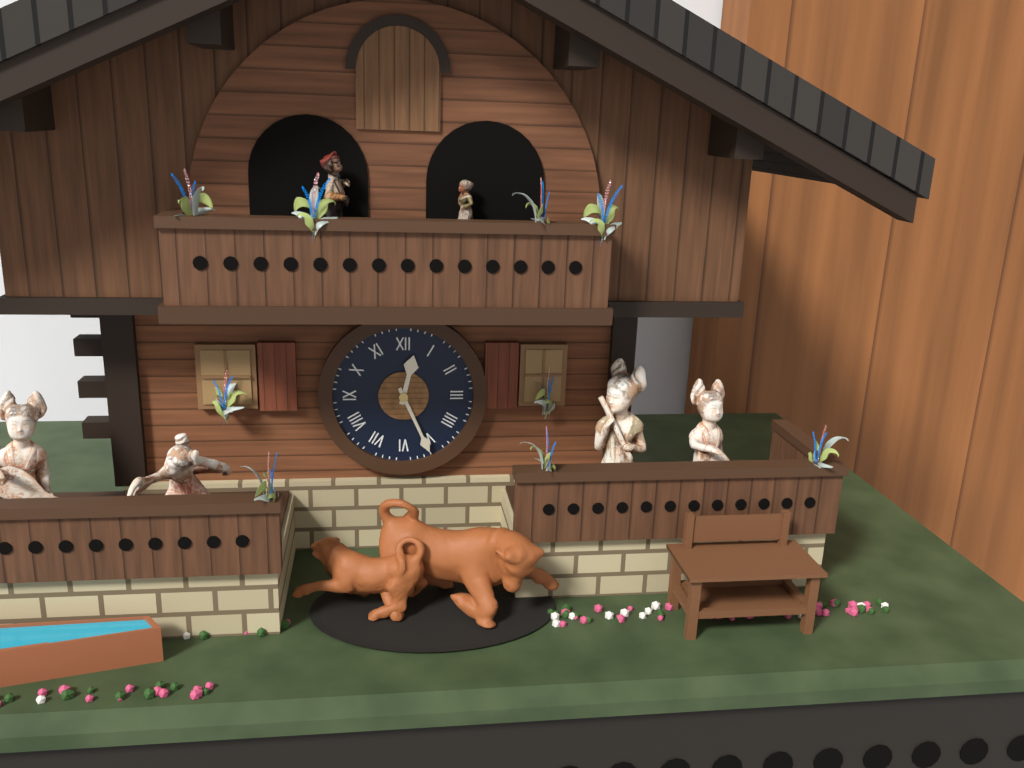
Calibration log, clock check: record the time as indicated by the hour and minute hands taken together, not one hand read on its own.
12:26
